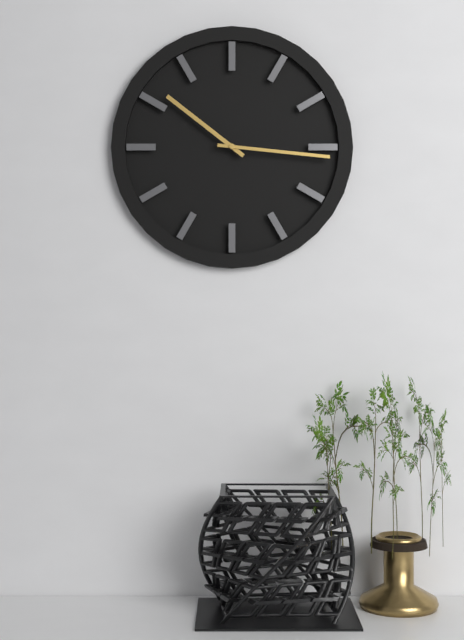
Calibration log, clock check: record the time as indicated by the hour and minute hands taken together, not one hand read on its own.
10:16
